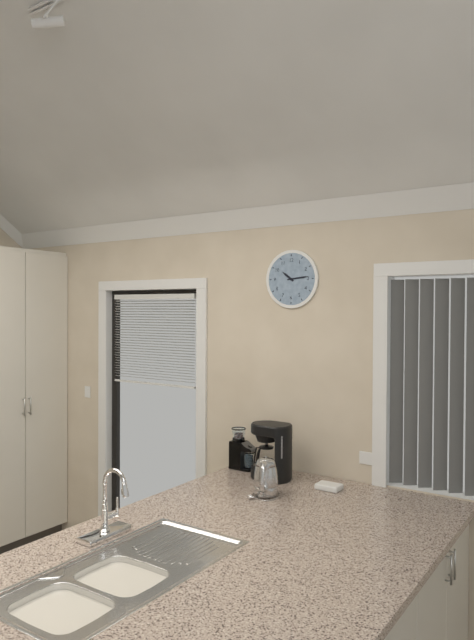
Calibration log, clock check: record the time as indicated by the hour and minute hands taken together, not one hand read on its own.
10:14
